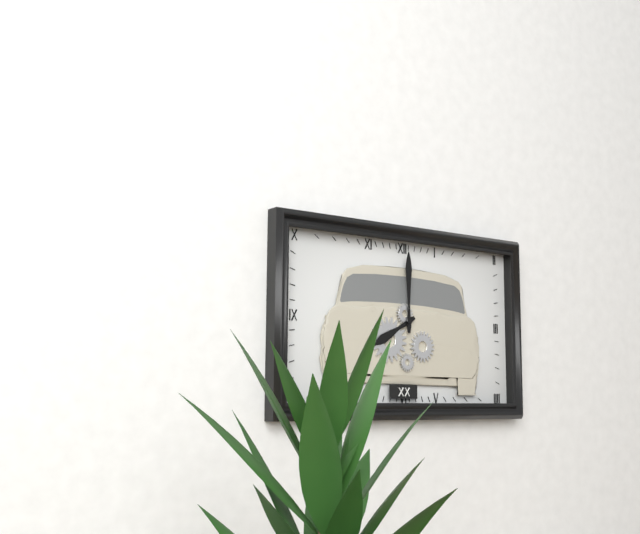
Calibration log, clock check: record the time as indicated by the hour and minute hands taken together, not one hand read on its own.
8:00
